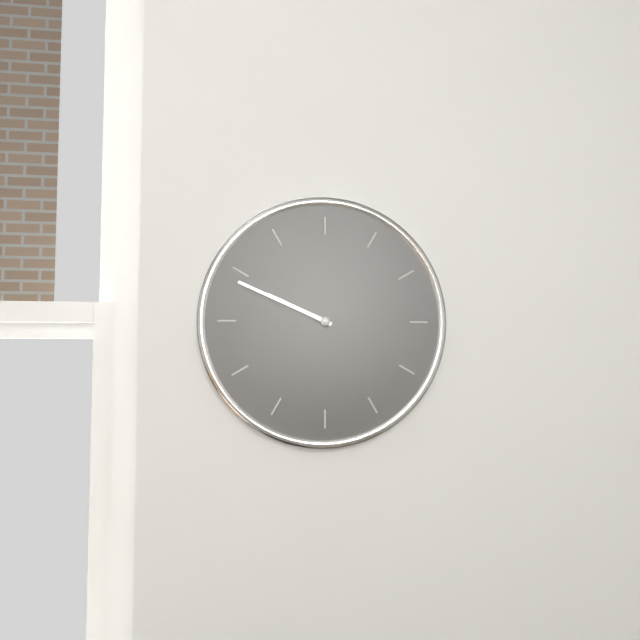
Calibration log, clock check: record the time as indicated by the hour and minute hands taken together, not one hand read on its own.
9:49
